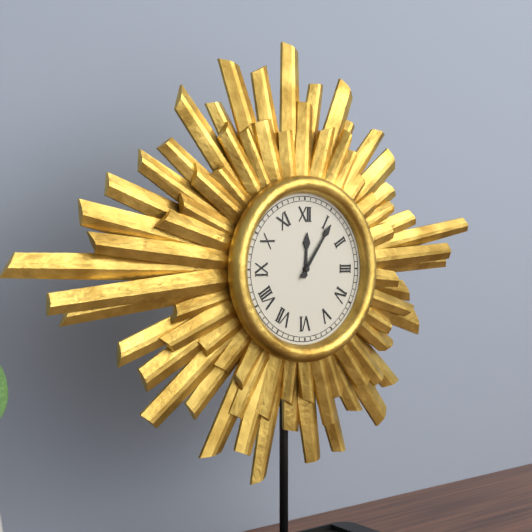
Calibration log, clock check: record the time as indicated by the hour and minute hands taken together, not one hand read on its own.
12:06
